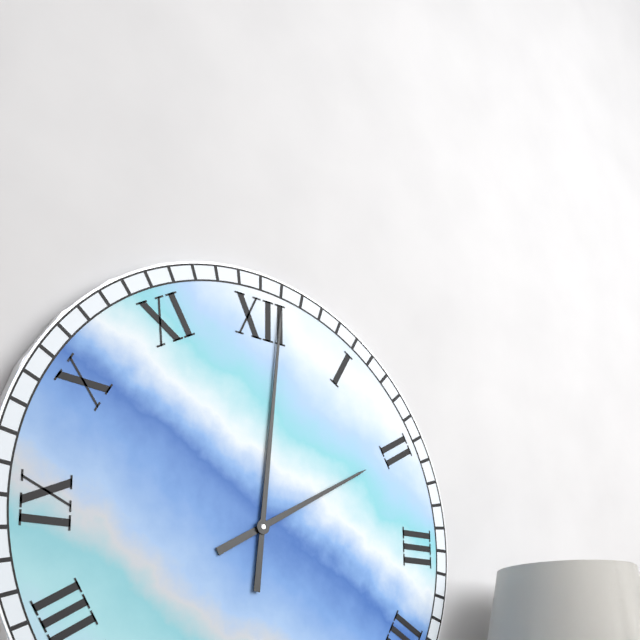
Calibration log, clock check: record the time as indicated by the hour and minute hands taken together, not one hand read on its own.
2:01
